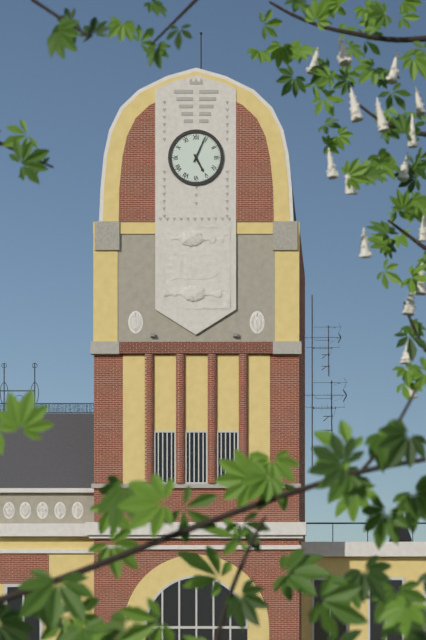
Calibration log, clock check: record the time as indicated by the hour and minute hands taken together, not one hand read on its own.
5:04
